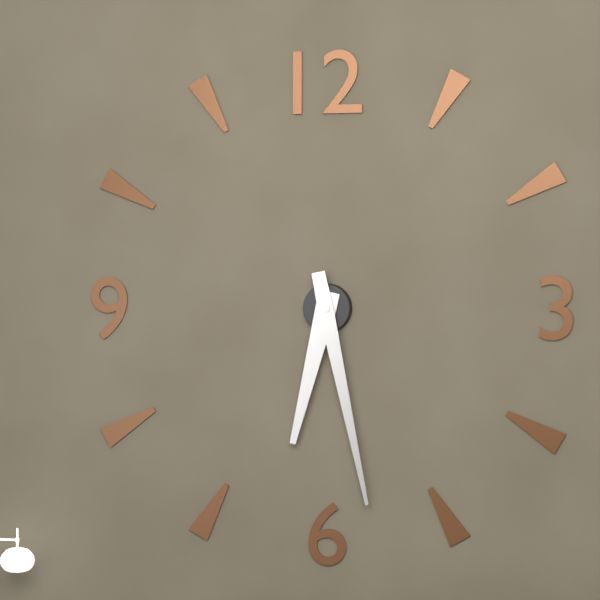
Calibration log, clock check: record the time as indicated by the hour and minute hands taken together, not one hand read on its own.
6:28
